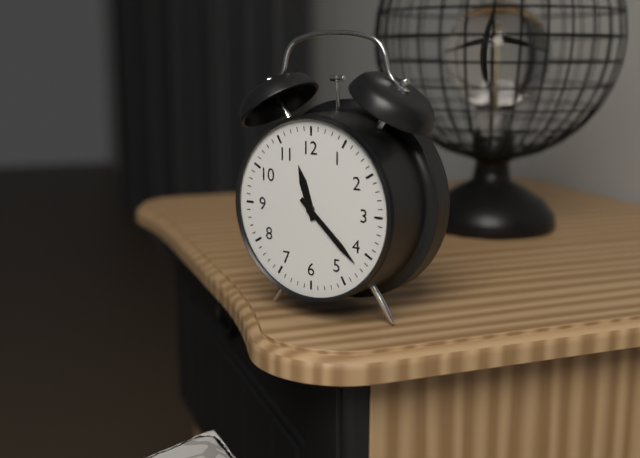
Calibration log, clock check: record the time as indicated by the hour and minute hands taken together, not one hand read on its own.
11:22
